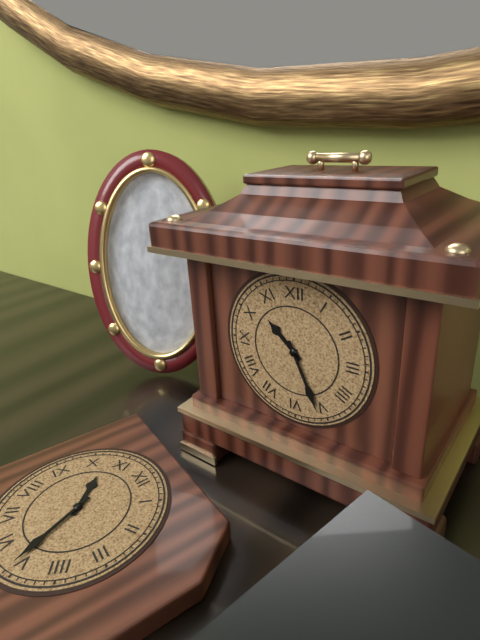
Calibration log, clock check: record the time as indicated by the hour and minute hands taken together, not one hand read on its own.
10:26
